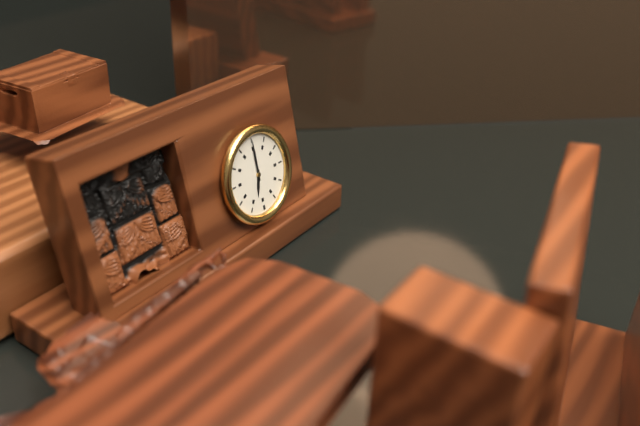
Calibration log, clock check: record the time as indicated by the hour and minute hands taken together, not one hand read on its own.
12:30
